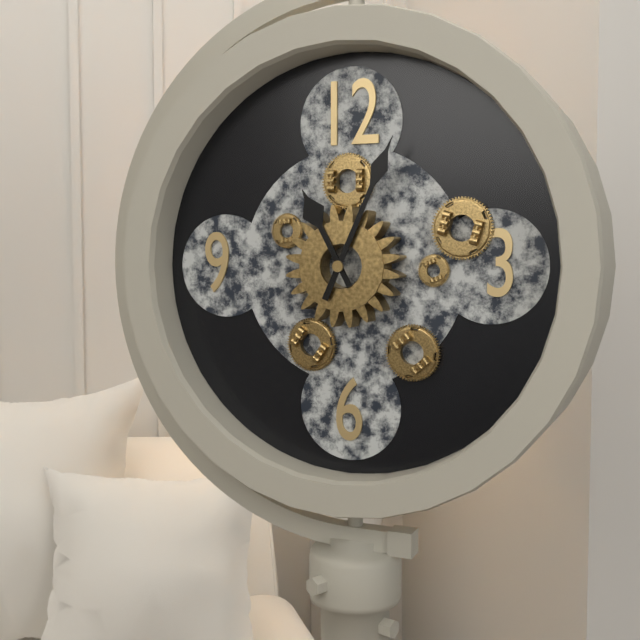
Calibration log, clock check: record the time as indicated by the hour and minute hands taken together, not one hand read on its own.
11:04
